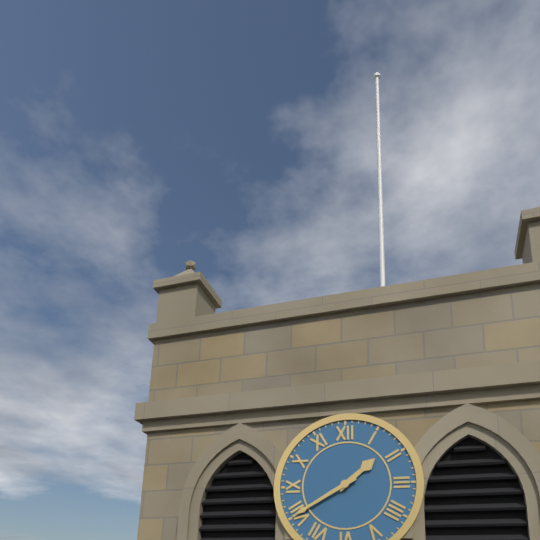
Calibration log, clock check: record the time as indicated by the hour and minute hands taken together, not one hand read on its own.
1:40
